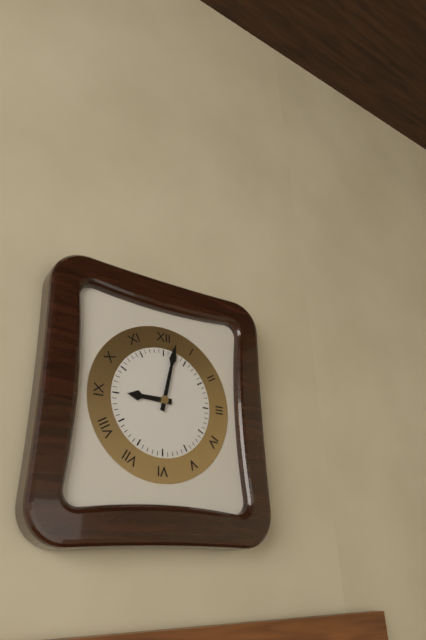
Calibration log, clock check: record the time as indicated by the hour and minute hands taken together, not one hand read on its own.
9:02
